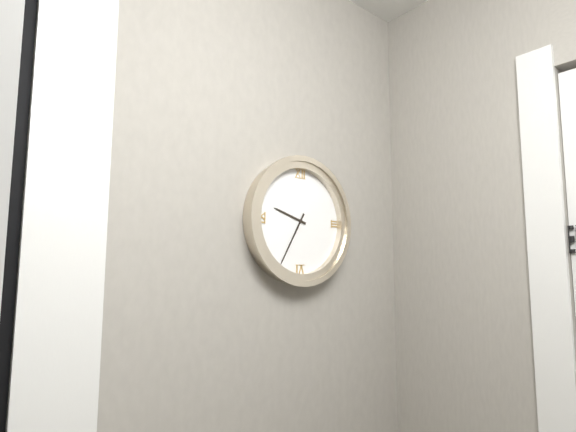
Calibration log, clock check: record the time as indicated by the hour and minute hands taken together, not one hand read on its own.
9:35
